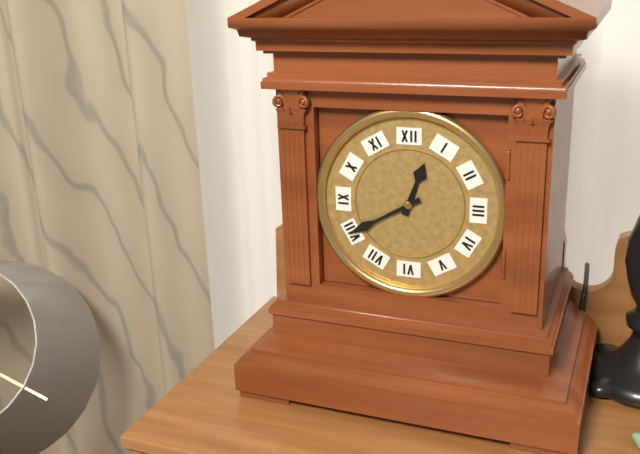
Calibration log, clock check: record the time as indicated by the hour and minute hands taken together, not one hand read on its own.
12:40
